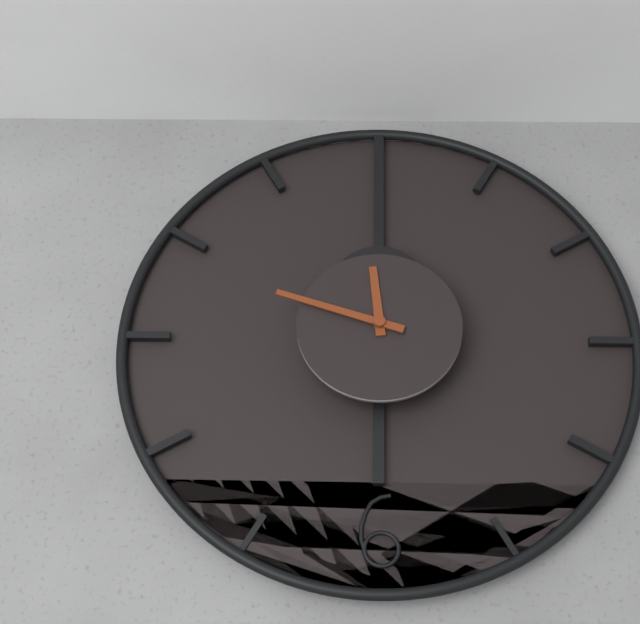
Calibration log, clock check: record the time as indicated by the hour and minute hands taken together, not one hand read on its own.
11:48
